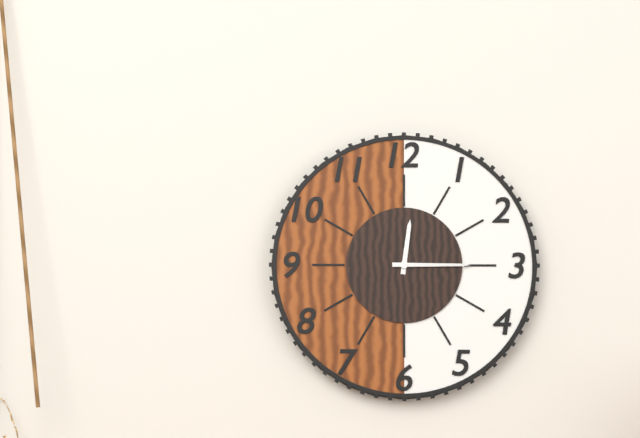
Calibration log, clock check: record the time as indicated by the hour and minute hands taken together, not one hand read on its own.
12:15
